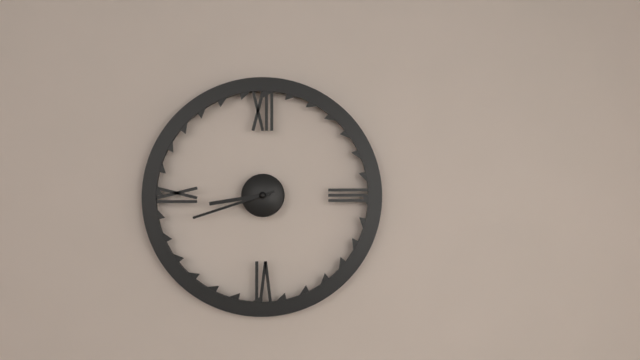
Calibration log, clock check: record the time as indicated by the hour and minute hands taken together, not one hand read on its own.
8:42
